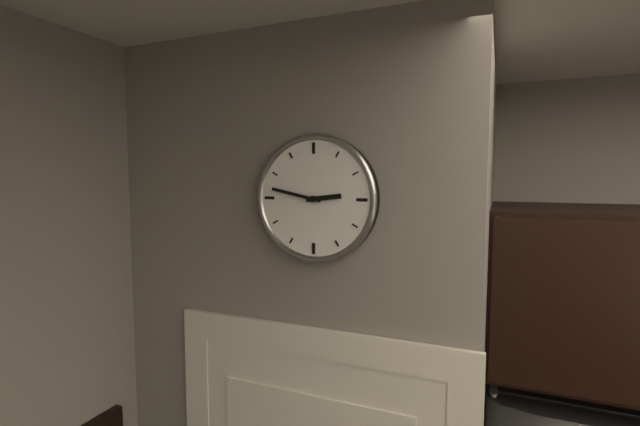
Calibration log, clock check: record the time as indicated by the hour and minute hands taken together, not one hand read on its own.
2:47
